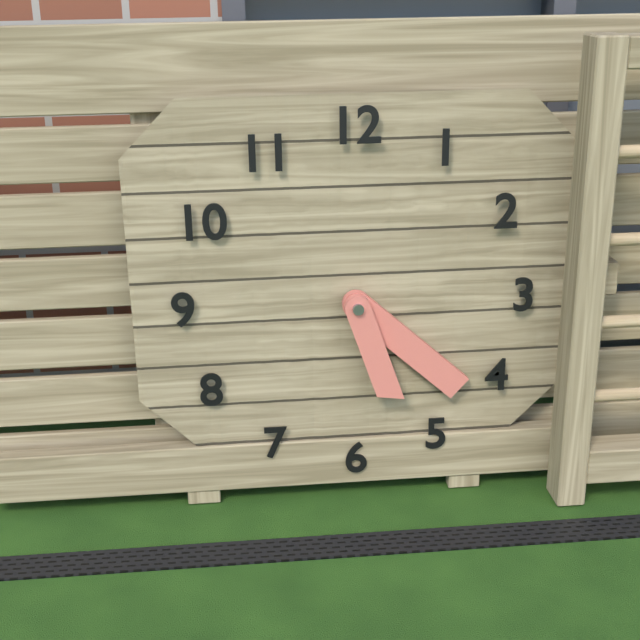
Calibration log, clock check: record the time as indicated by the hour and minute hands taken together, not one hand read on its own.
5:22
